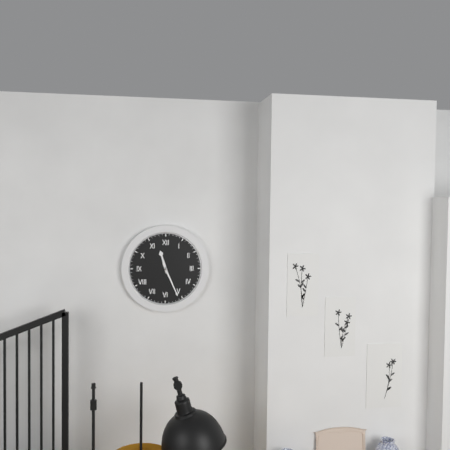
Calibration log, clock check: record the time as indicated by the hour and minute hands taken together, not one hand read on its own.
11:26
